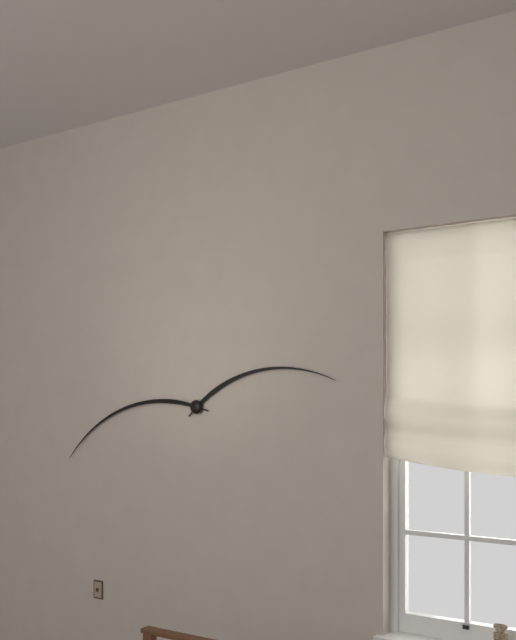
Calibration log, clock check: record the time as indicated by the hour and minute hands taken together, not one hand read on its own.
2:42
